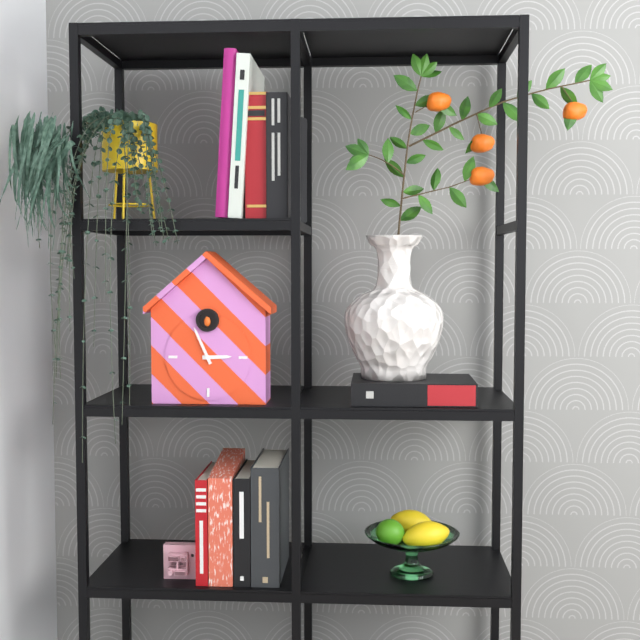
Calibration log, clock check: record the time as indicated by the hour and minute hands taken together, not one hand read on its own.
2:56
